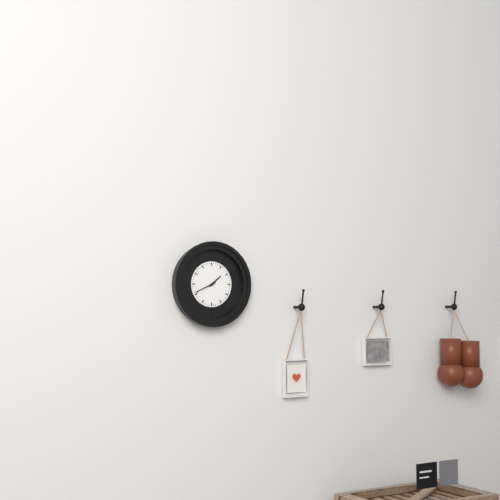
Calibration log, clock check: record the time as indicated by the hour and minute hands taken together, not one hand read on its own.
1:41
